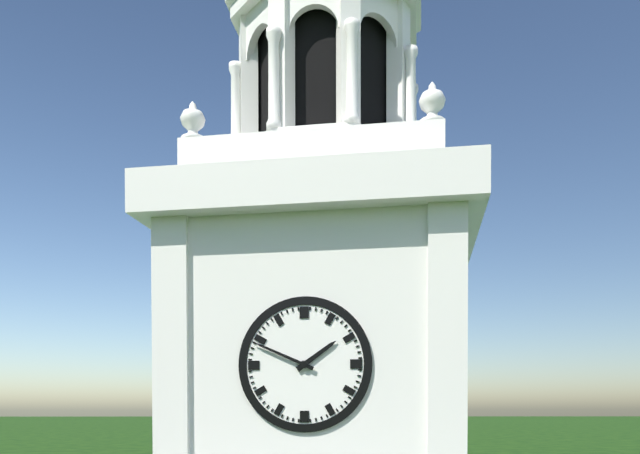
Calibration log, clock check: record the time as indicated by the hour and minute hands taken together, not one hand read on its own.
1:49
